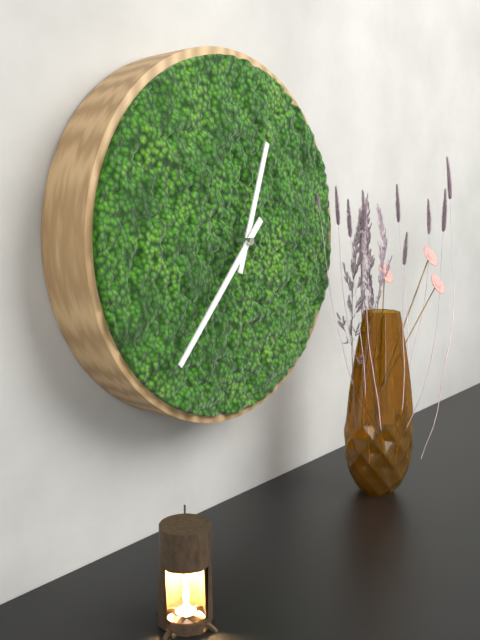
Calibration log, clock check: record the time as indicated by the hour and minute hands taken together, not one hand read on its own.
12:37
